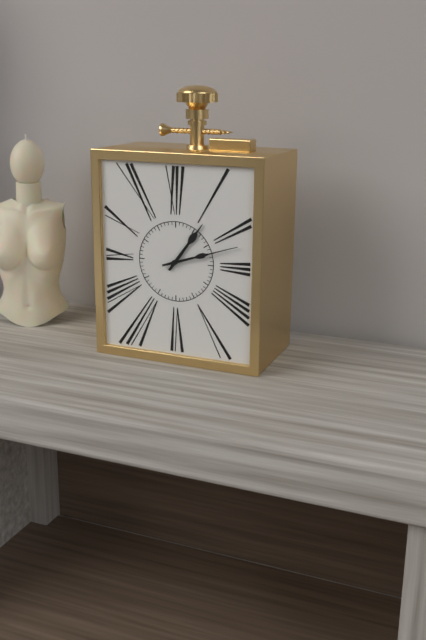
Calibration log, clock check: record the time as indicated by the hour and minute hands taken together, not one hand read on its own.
1:12
